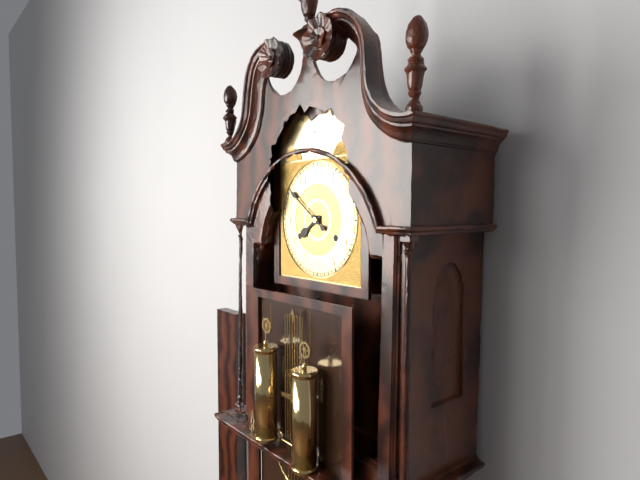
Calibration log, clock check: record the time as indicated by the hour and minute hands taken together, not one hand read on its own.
7:51
